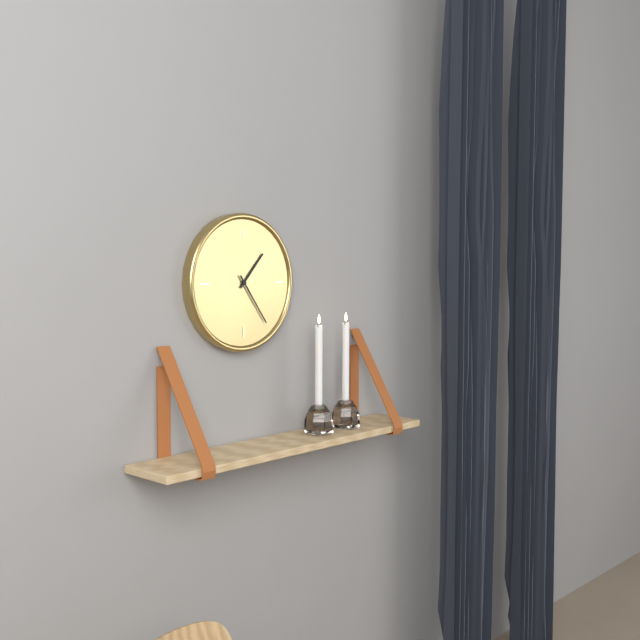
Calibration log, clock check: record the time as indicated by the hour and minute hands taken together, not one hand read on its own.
1:24
